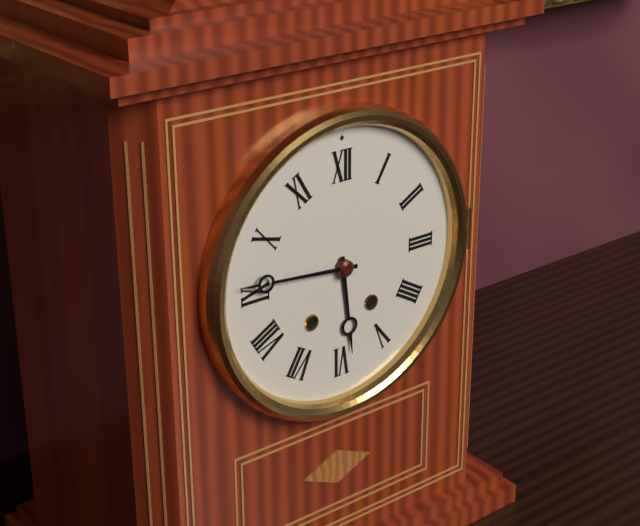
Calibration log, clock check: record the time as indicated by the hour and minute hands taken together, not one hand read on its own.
5:46
